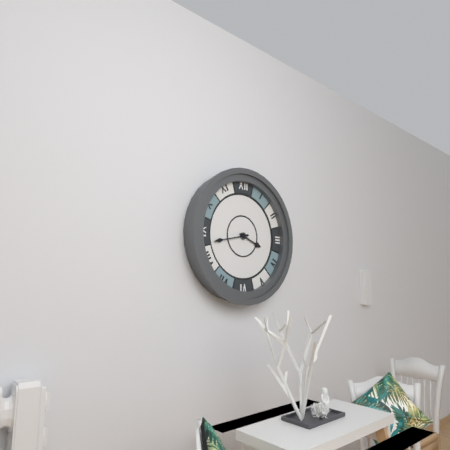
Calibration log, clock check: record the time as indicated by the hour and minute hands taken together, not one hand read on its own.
3:43
